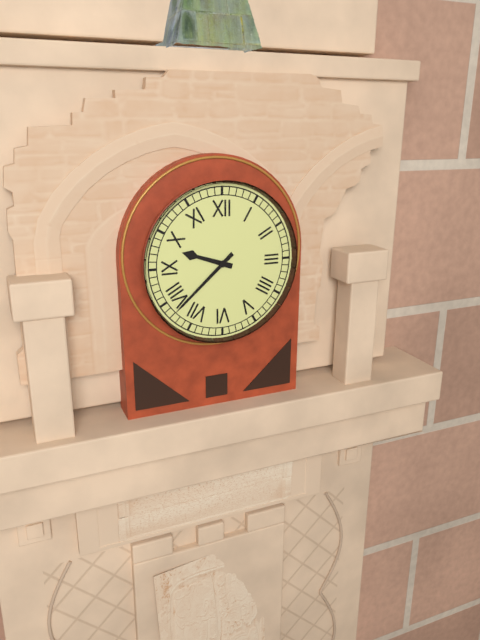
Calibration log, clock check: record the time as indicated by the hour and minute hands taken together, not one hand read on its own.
9:38
